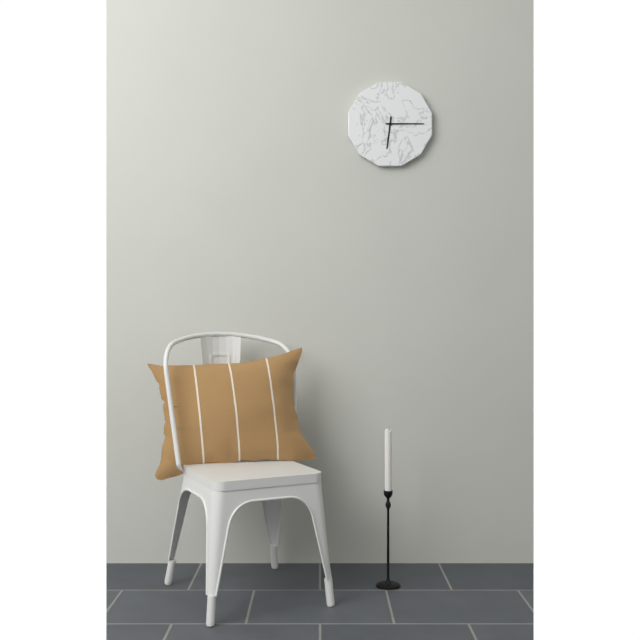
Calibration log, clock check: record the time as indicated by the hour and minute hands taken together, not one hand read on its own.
6:15
